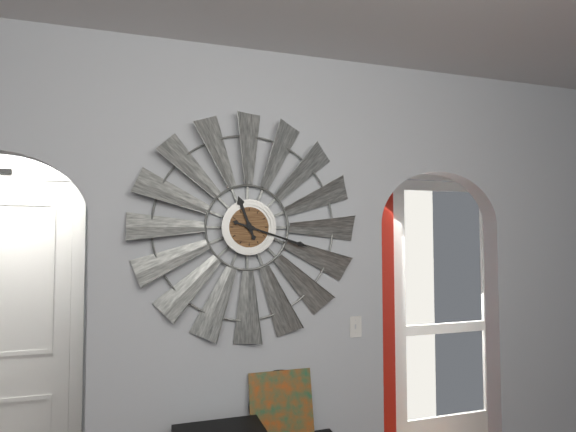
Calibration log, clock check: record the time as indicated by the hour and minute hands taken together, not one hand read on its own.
11:18
